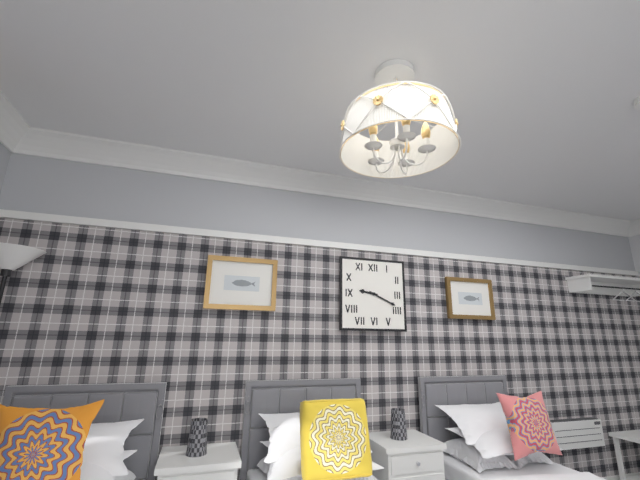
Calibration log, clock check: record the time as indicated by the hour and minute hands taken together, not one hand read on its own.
9:19
